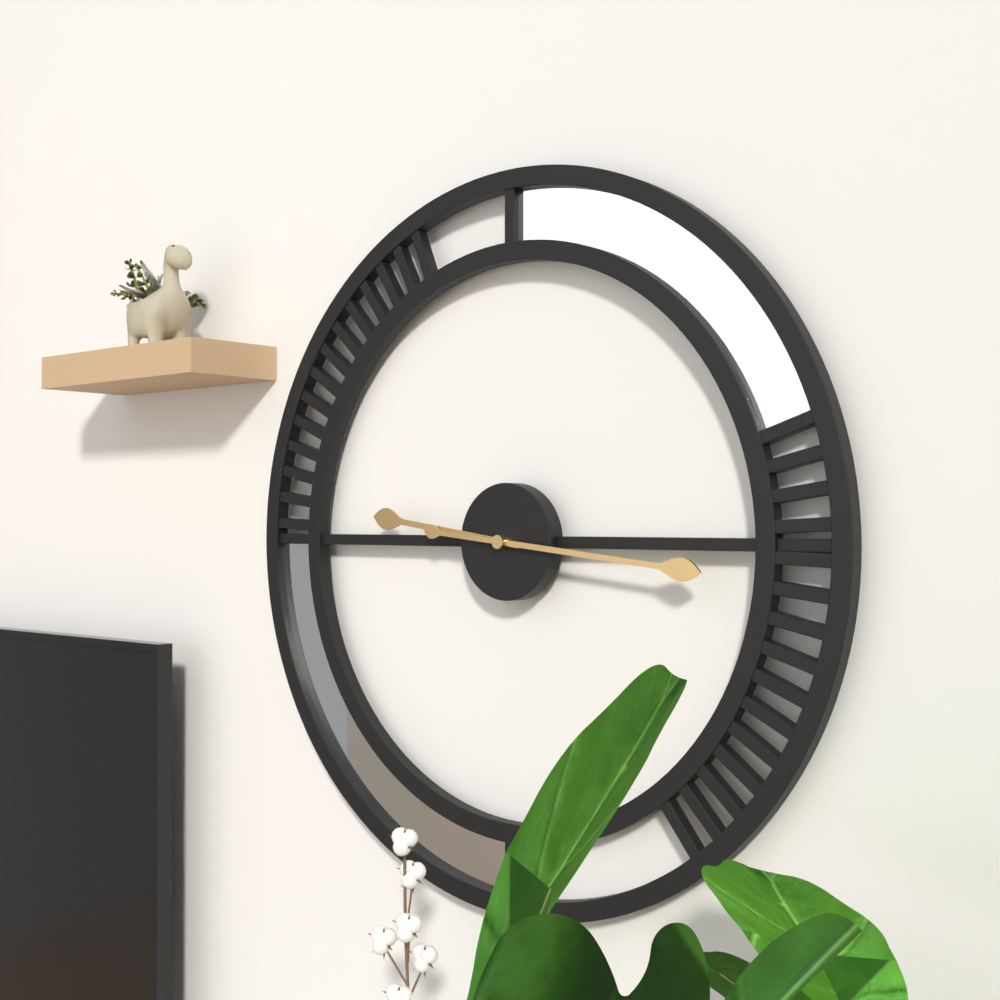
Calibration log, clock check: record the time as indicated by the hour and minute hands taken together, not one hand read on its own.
9:16
